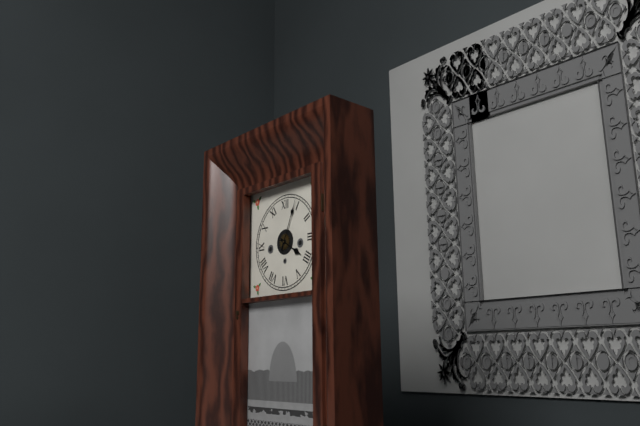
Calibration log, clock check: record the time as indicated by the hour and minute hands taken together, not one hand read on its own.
4:04
